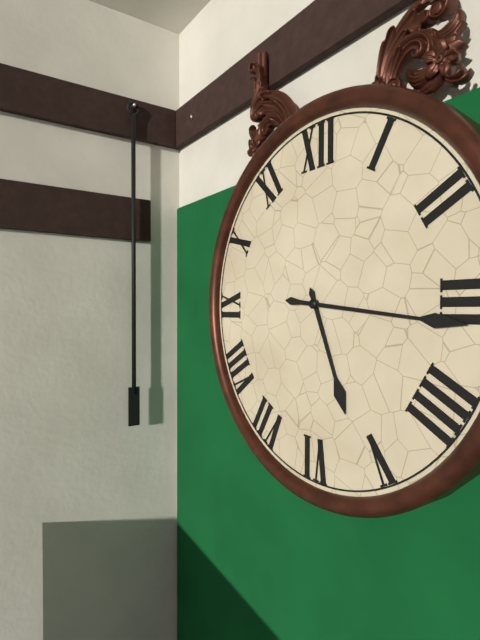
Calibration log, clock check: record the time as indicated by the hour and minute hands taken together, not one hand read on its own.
5:16
